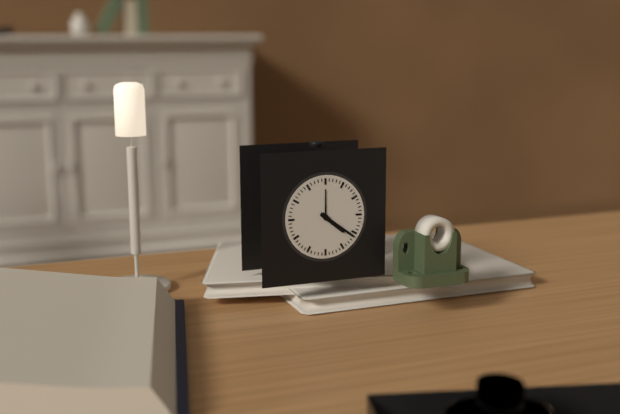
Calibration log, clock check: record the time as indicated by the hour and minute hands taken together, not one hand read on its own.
4:21
